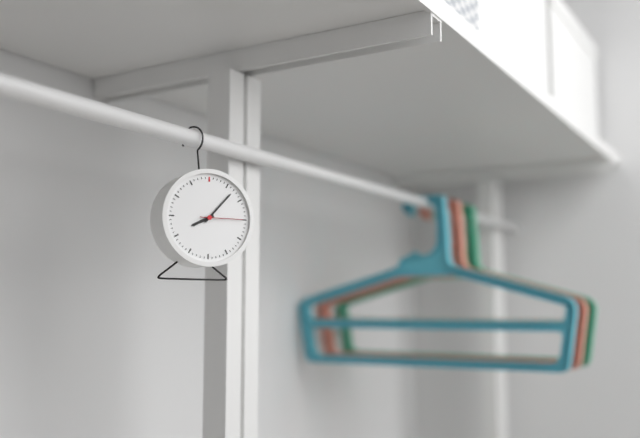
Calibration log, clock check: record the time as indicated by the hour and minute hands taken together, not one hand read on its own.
8:07
